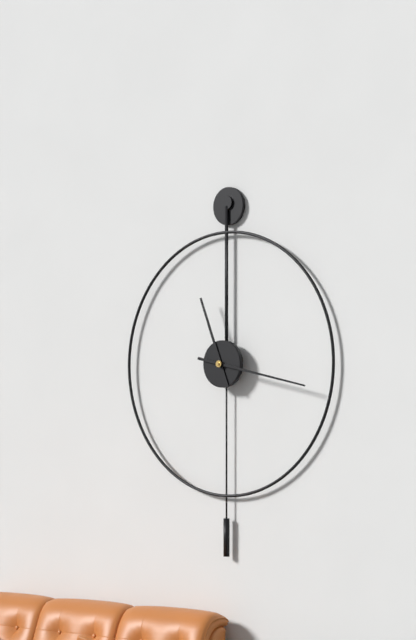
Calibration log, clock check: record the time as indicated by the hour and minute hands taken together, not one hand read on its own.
11:17
